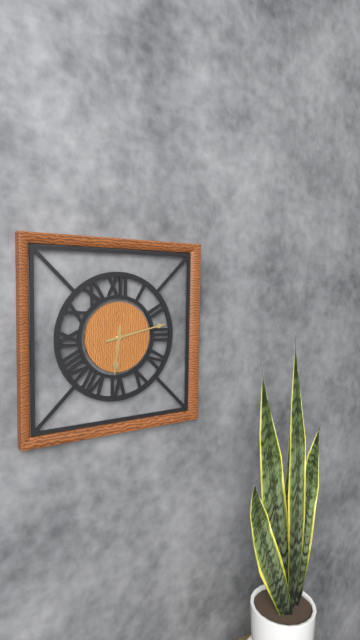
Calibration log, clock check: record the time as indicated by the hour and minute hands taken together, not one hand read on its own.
6:13
